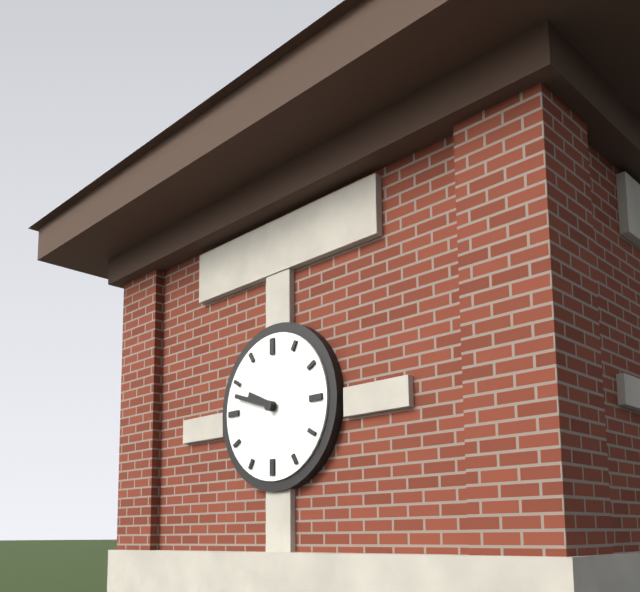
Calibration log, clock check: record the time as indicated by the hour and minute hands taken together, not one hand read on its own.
9:48
